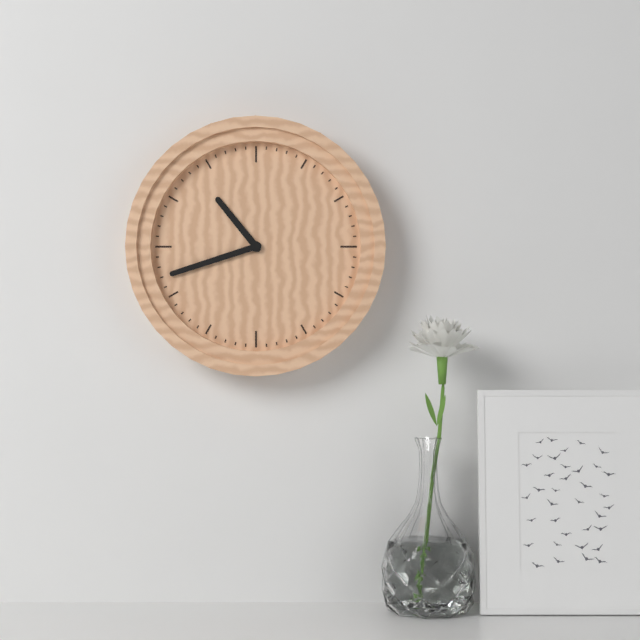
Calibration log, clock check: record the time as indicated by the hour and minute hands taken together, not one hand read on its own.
10:42
